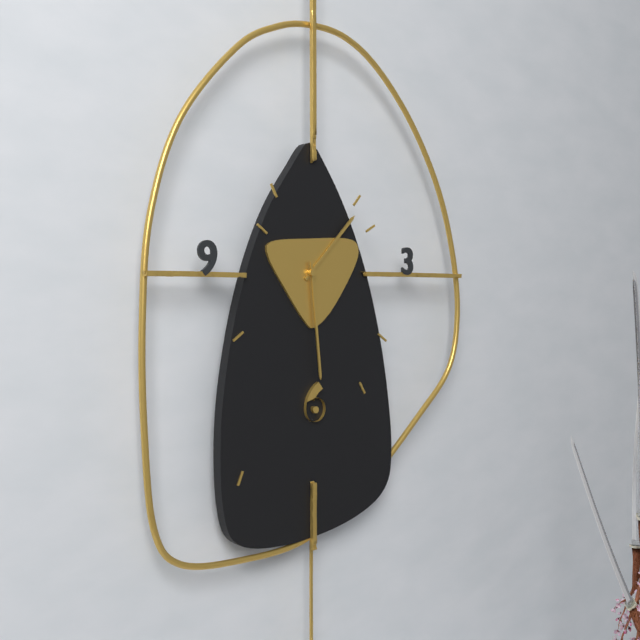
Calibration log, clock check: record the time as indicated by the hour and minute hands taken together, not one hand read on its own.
1:29
